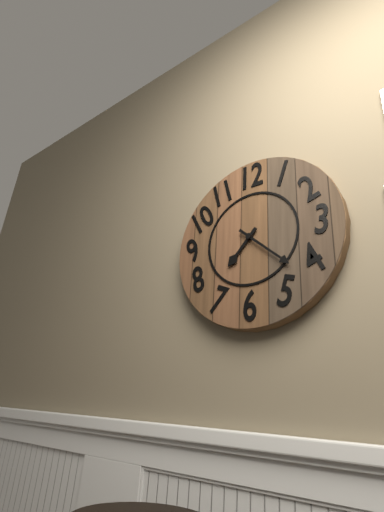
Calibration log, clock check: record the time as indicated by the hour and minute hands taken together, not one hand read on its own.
7:22
